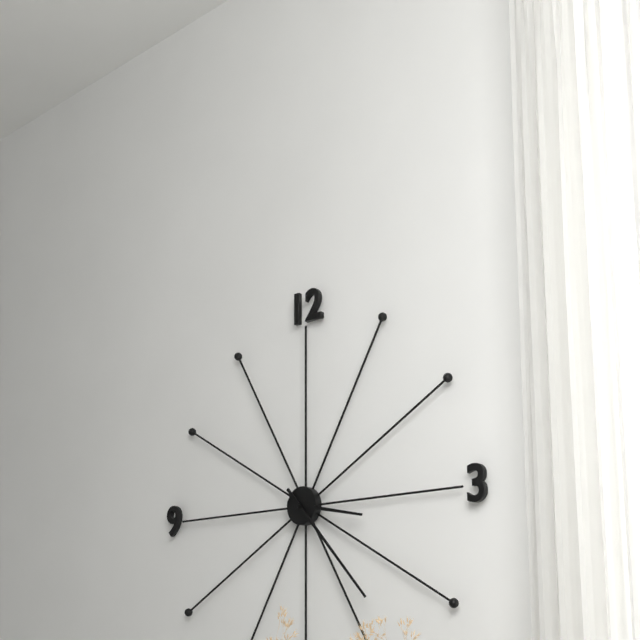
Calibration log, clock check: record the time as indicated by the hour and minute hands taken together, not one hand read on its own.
3:23
